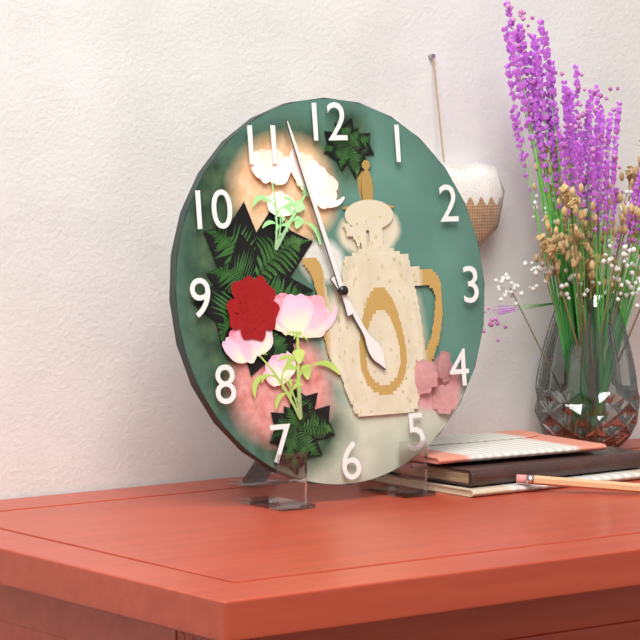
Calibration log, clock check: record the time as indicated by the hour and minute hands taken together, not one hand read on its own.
4:57
